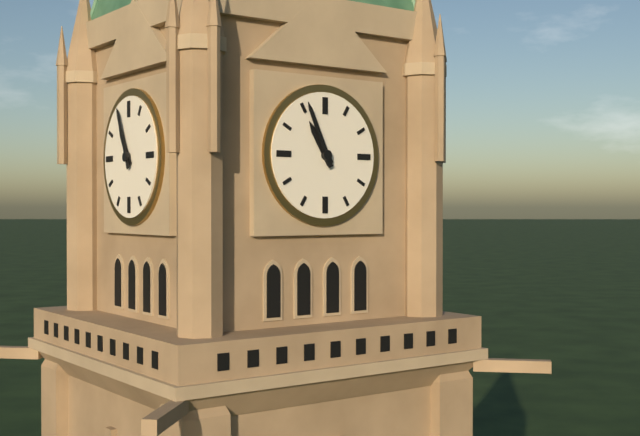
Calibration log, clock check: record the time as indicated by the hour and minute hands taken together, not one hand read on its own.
10:56
